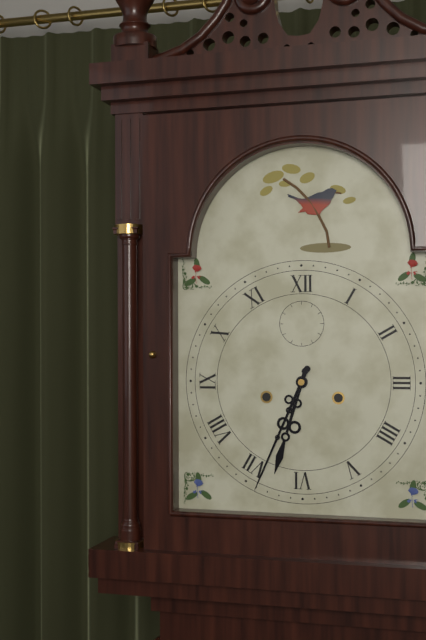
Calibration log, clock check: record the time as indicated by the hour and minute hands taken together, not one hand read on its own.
6:34
